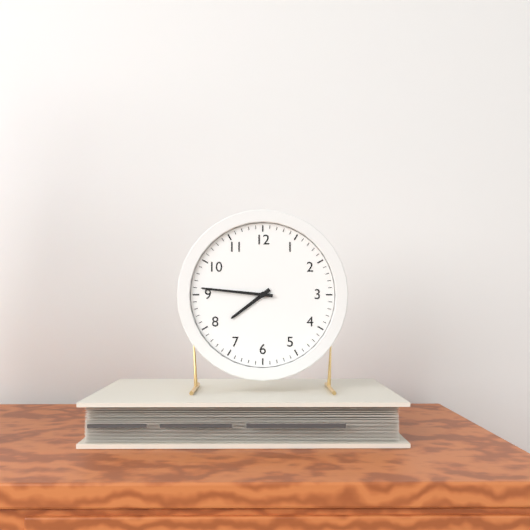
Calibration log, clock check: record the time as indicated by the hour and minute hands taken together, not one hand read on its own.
7:46
